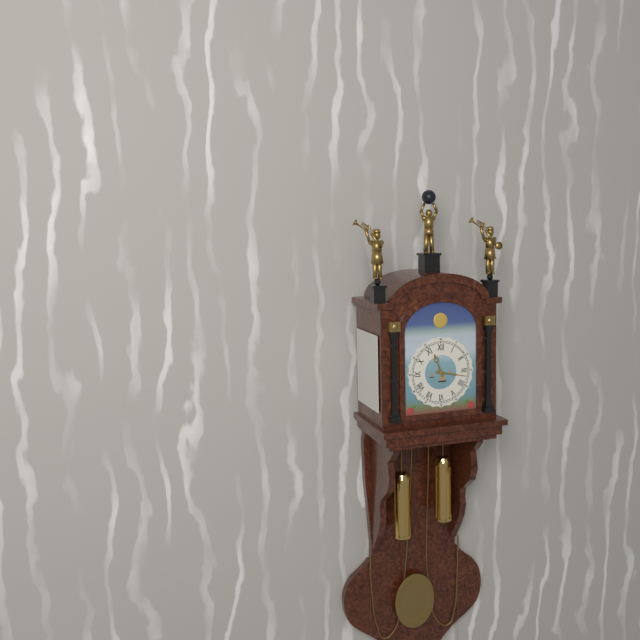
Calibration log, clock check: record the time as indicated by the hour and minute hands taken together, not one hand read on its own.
11:17
